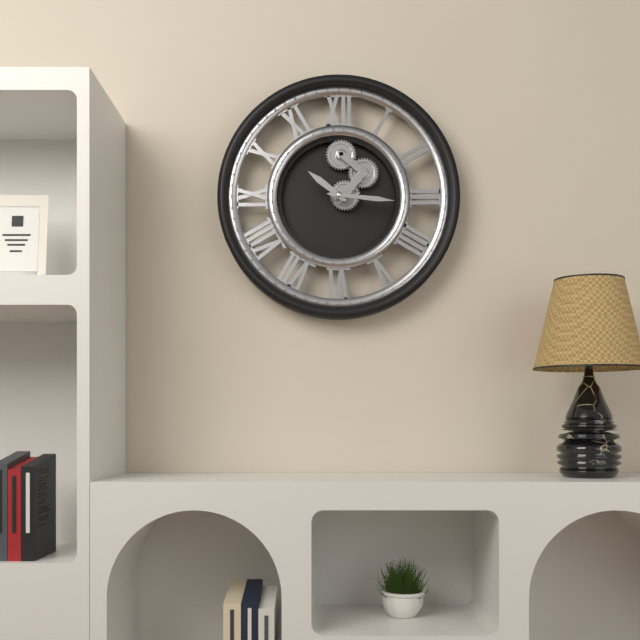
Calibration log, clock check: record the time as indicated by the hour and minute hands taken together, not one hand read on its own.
10:16
